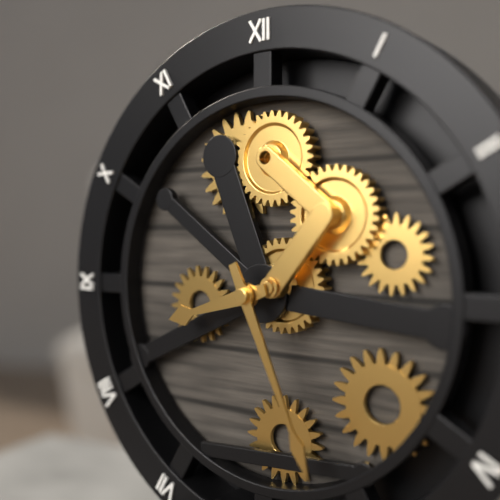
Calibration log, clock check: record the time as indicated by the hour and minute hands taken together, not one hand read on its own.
8:26
